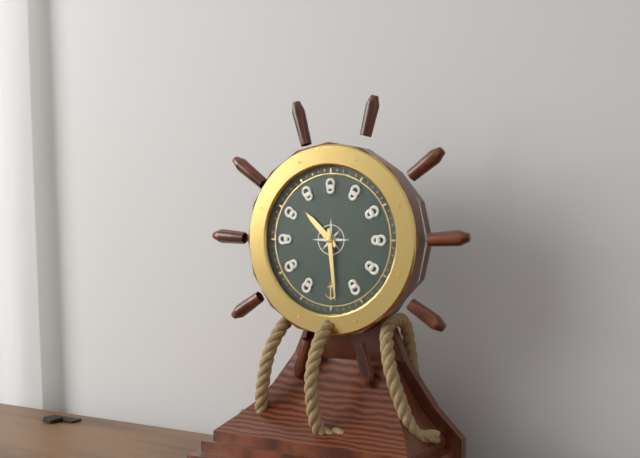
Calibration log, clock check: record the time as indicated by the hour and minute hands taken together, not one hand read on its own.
10:29
